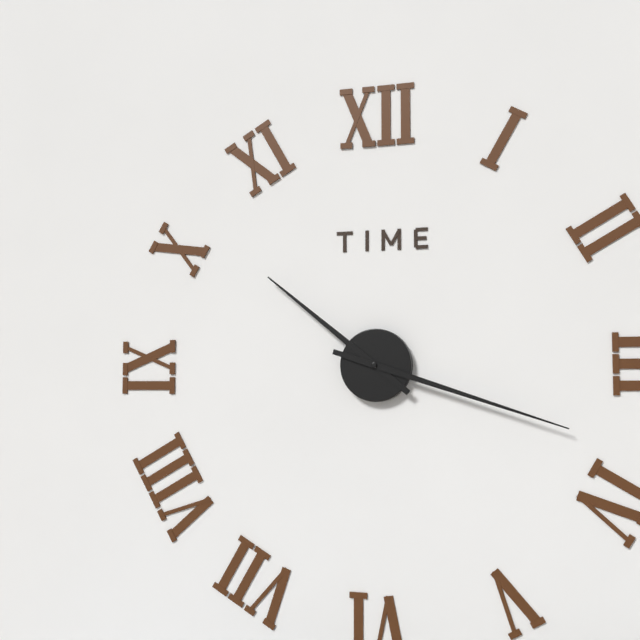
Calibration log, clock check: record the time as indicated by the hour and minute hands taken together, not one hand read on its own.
10:18
